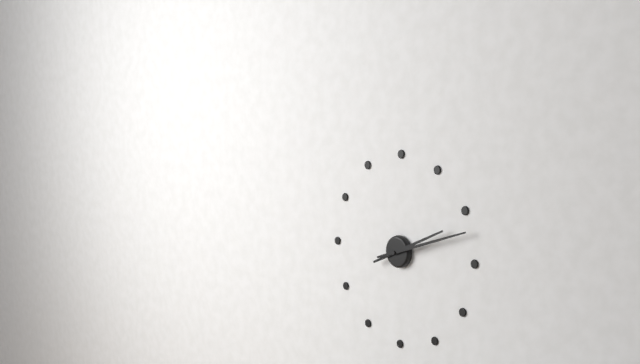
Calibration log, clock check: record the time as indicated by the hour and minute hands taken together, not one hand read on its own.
2:12
